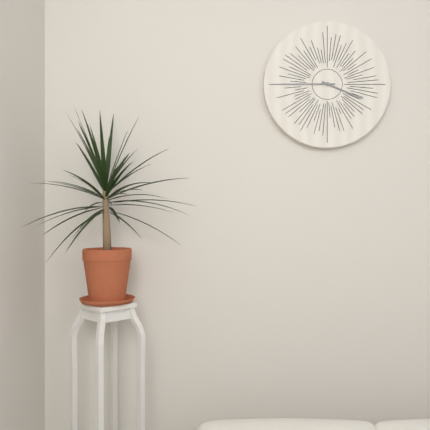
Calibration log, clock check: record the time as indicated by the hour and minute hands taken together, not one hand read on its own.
3:45
